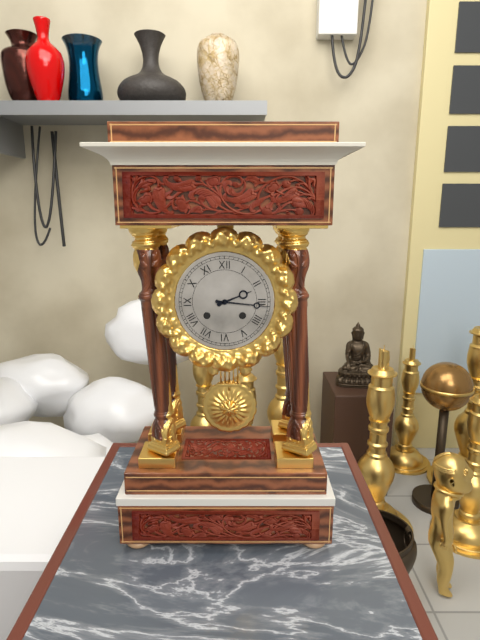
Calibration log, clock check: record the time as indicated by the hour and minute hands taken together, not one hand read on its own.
2:16
